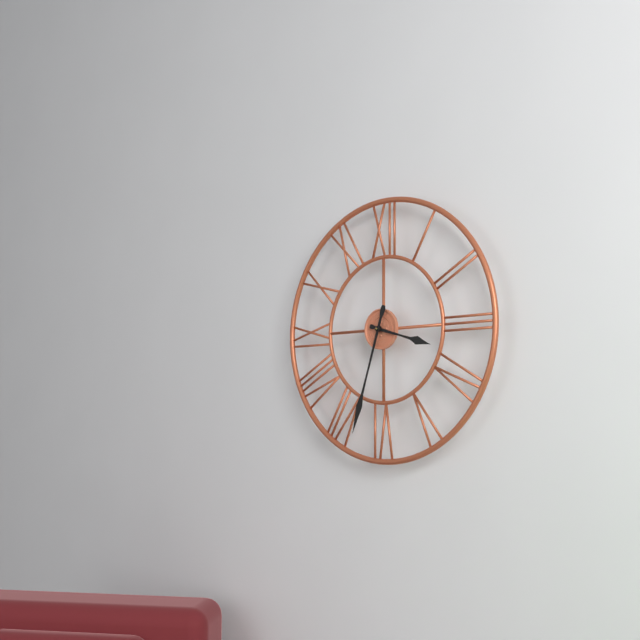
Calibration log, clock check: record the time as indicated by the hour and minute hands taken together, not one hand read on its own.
3:33
